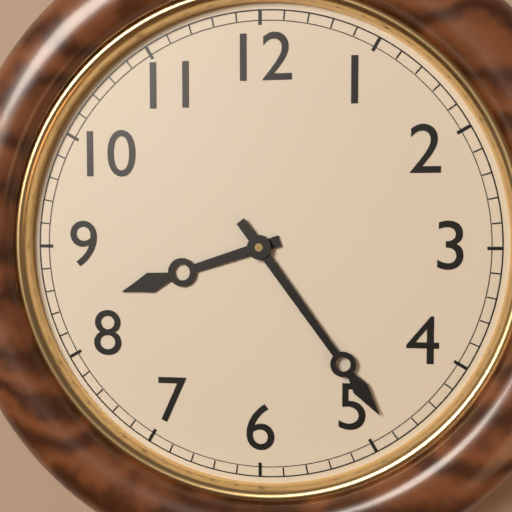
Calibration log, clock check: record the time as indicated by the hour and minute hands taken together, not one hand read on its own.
8:24
